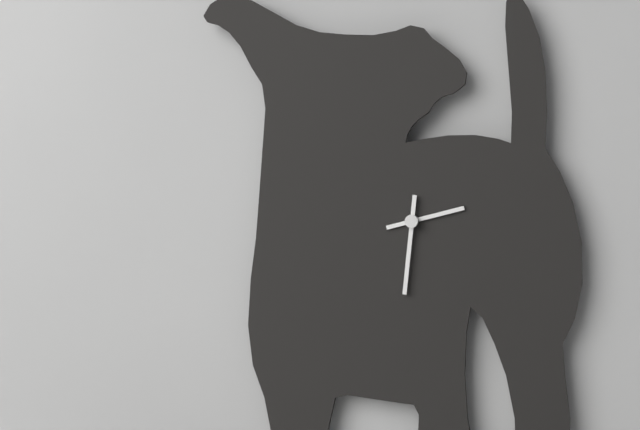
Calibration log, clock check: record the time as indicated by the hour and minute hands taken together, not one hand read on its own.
2:31
